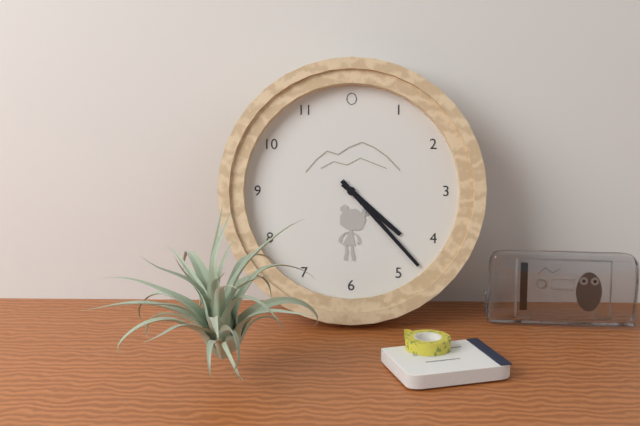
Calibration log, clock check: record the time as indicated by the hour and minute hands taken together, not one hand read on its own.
4:23
